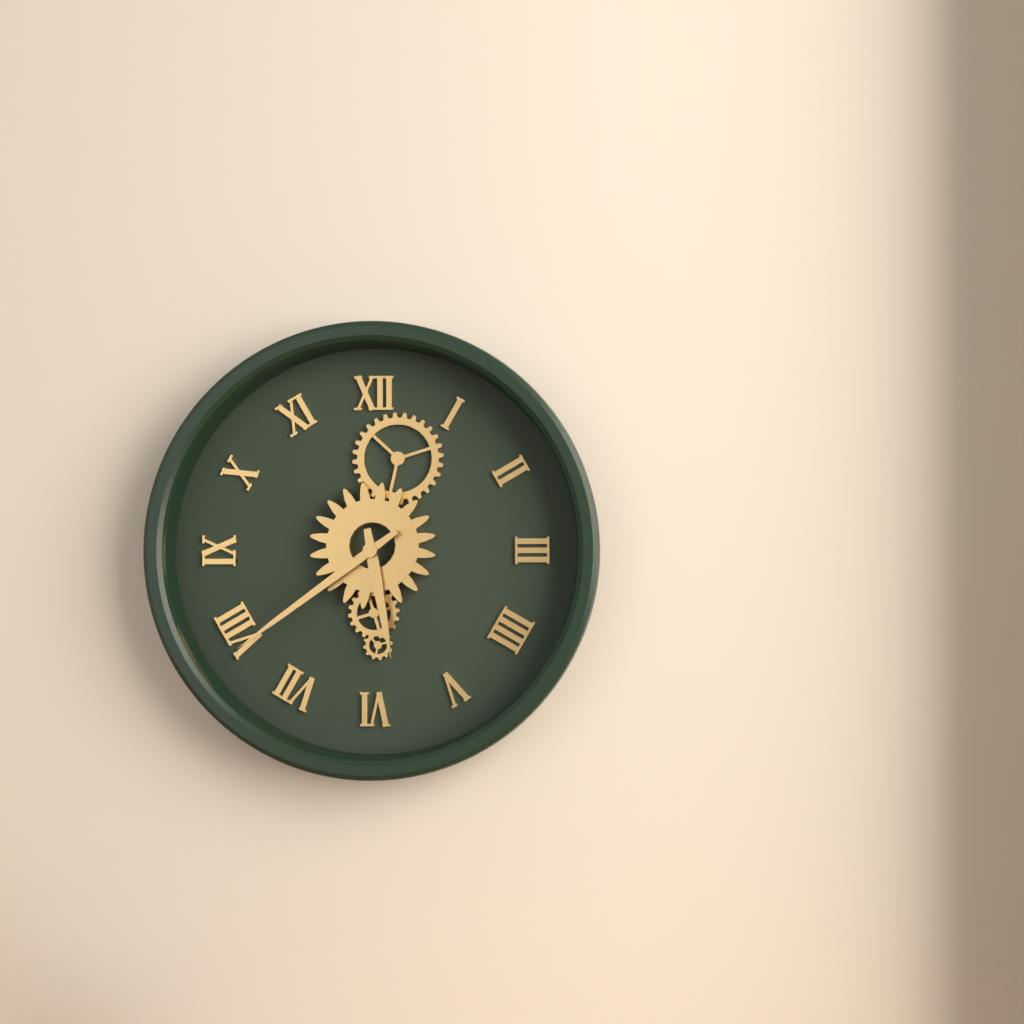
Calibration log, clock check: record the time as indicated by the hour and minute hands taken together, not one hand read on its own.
5:39
